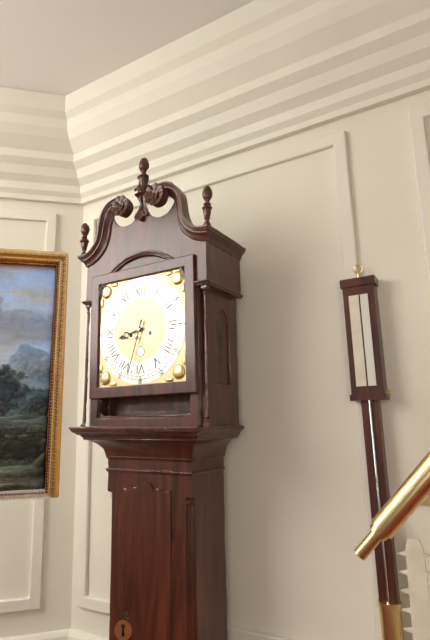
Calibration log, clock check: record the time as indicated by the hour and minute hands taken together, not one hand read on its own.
8:33
